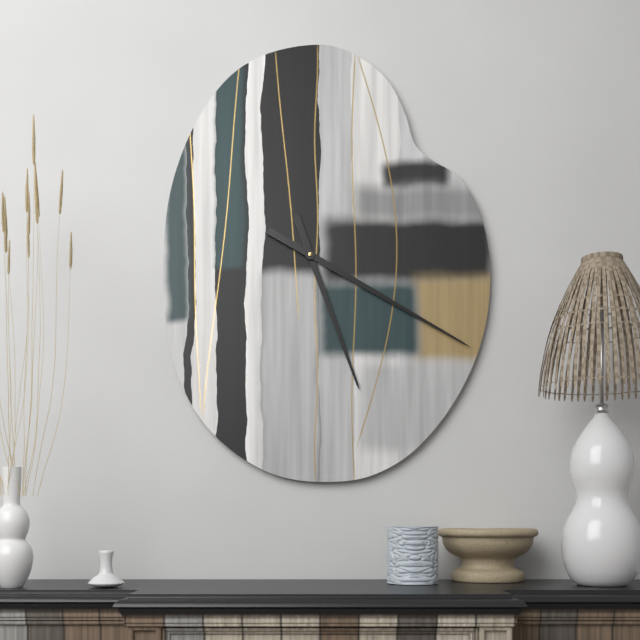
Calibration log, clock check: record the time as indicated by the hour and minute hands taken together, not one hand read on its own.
5:20
